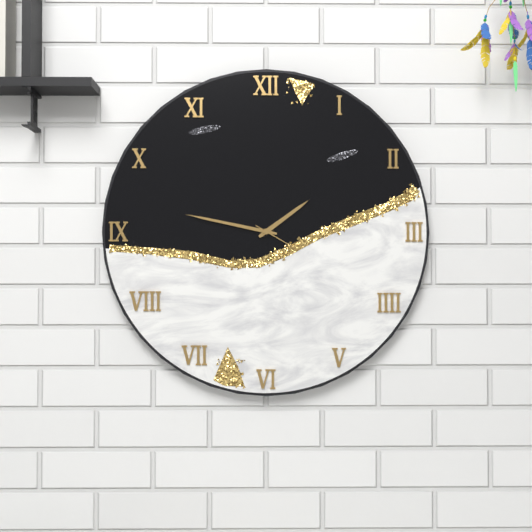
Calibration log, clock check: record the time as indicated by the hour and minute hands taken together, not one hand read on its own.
1:47
